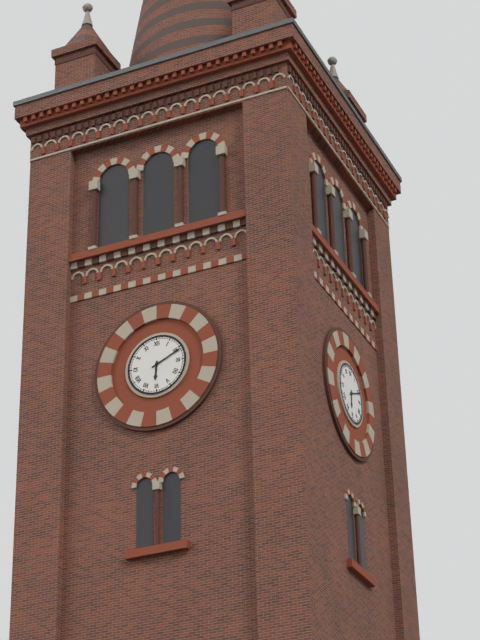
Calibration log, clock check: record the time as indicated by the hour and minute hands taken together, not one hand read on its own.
6:11
